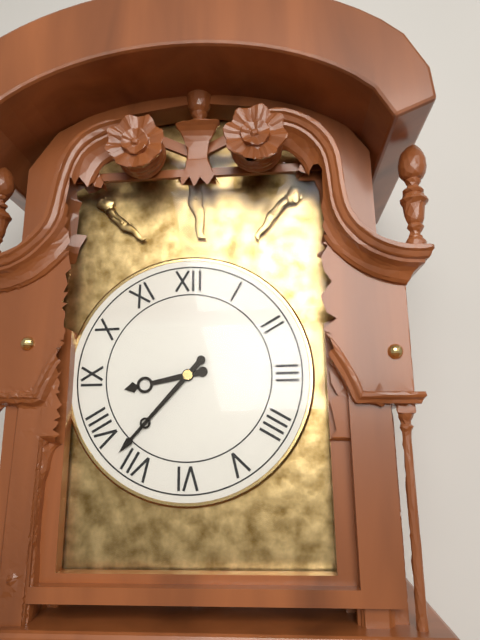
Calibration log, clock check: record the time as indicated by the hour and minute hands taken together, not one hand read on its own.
8:37
